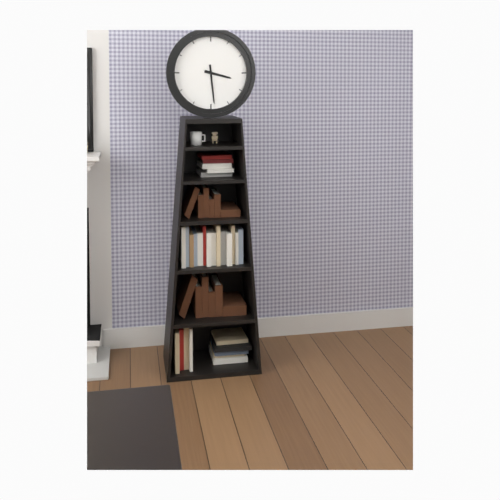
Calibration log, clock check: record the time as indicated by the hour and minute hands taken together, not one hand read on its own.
3:29
